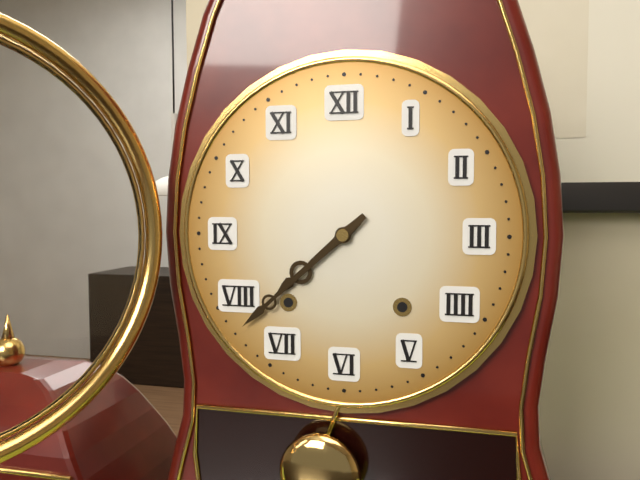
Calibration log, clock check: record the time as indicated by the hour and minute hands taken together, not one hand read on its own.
7:38
